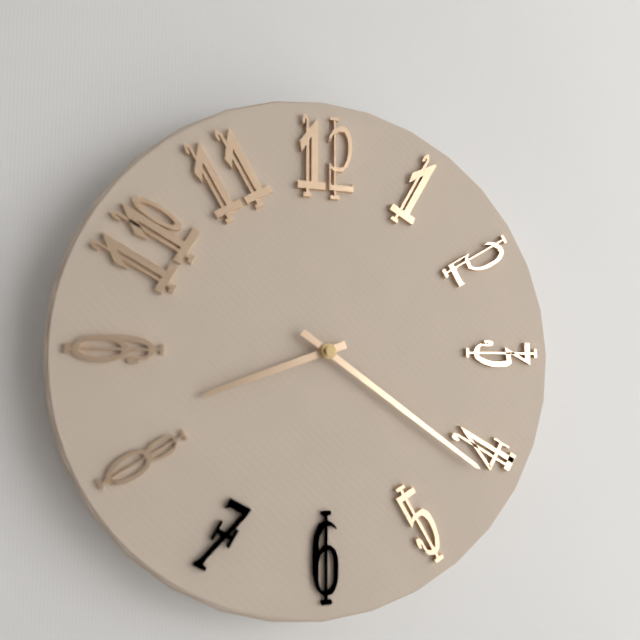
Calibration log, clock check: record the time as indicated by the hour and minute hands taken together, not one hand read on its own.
8:21
